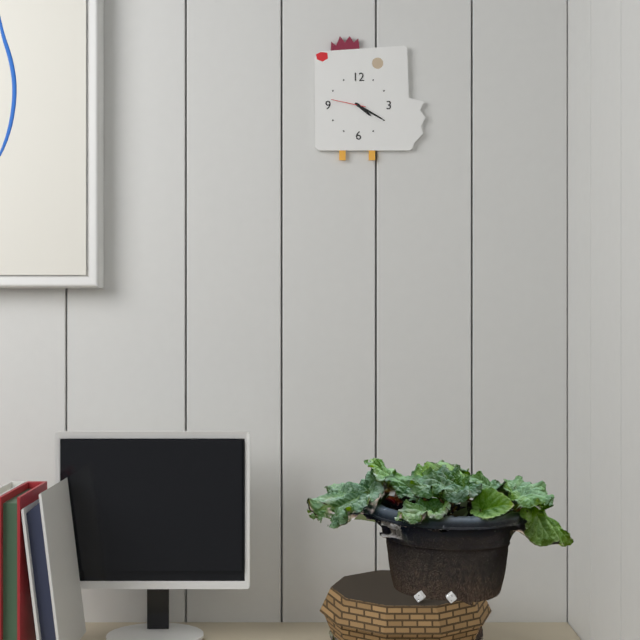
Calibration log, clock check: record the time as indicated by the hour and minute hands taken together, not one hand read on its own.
4:20
